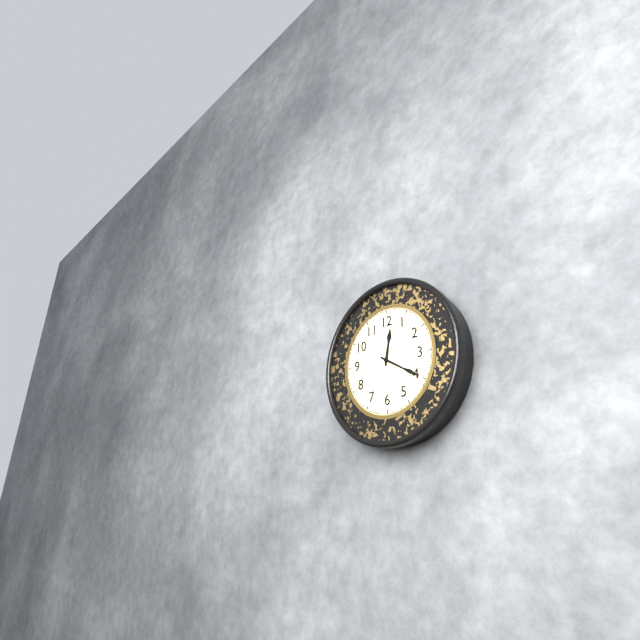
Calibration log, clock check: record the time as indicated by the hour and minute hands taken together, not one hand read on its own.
12:20
